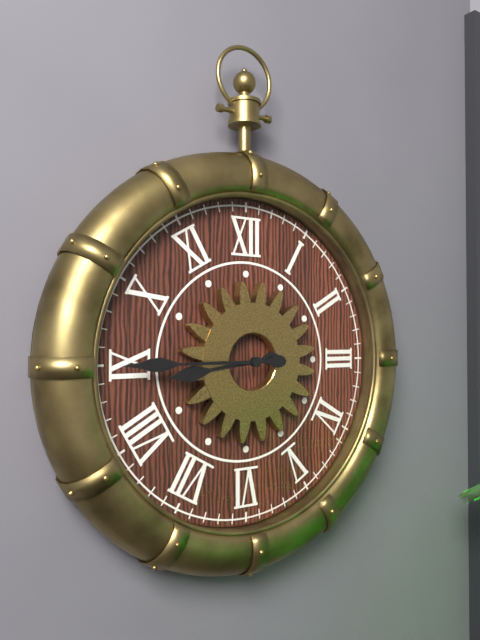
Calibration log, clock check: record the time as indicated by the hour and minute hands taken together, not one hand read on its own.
8:45
